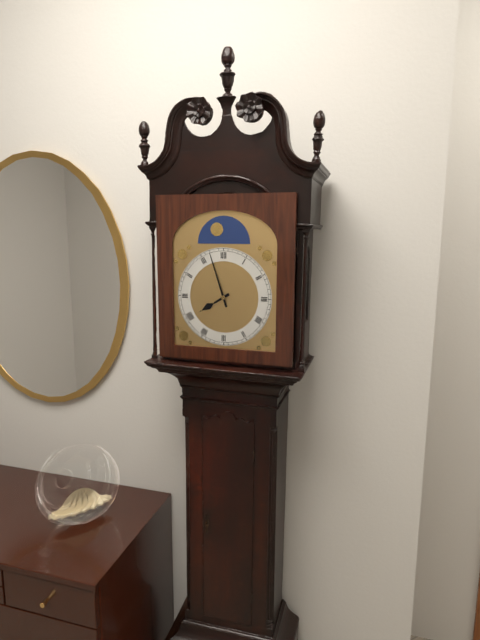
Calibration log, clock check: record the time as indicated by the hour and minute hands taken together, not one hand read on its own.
7:57
